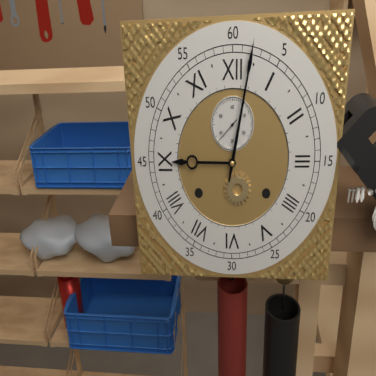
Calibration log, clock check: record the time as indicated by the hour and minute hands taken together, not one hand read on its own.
9:02
